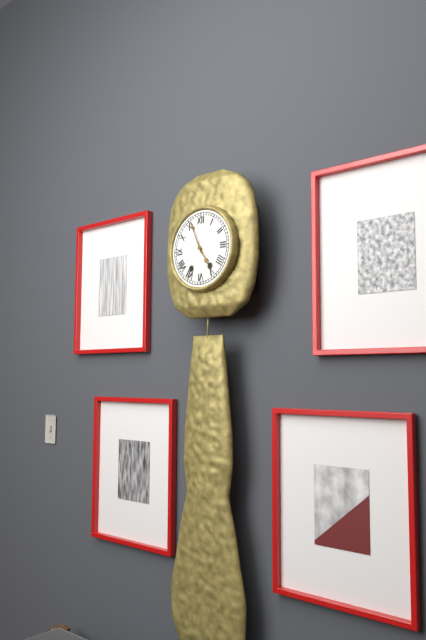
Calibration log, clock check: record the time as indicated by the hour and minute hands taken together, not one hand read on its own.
4:56
